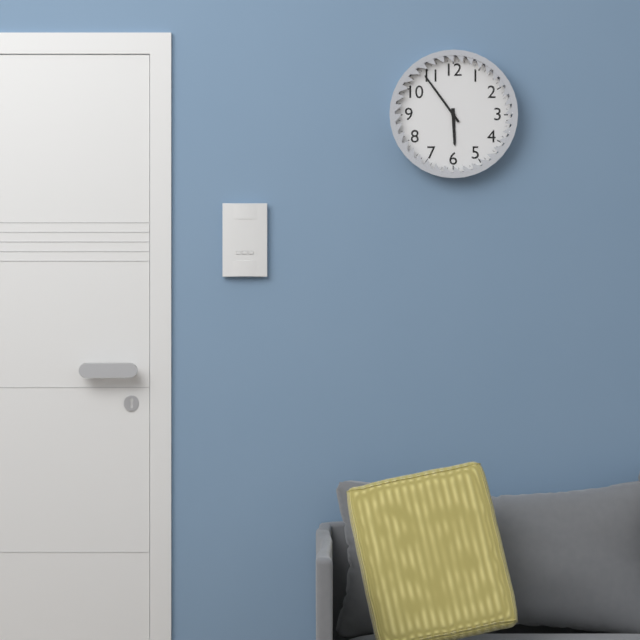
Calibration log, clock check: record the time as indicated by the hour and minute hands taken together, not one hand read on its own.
5:54
